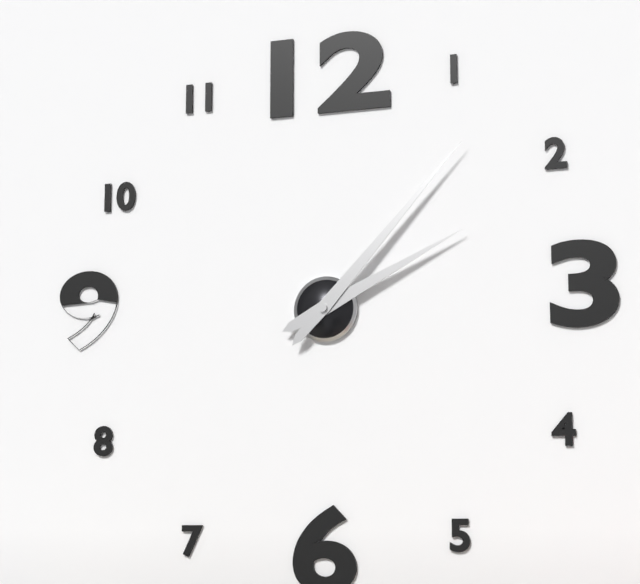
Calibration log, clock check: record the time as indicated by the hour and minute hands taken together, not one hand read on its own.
2:07
